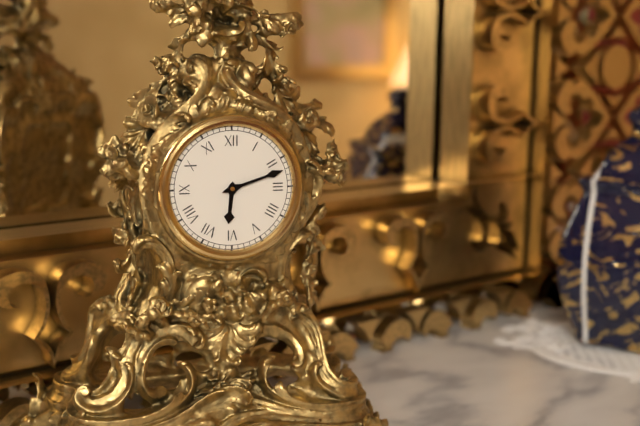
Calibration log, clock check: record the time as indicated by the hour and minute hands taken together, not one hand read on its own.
6:12
